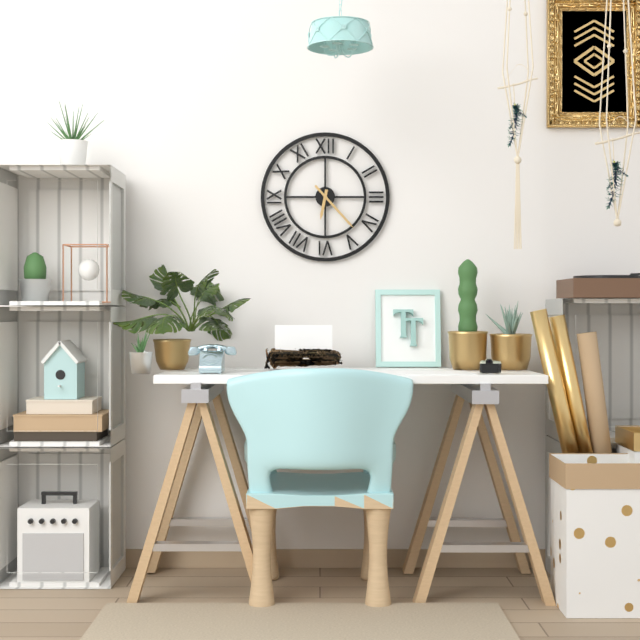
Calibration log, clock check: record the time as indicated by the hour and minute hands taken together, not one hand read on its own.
6:23
